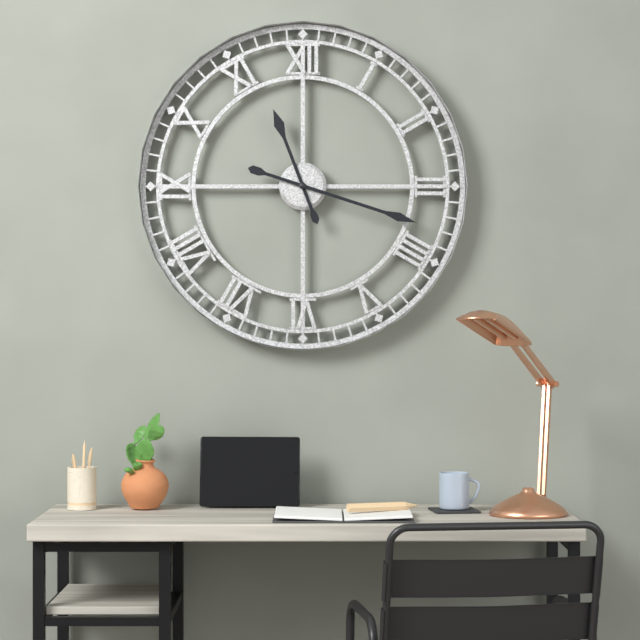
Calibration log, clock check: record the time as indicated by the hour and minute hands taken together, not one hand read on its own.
11:18
